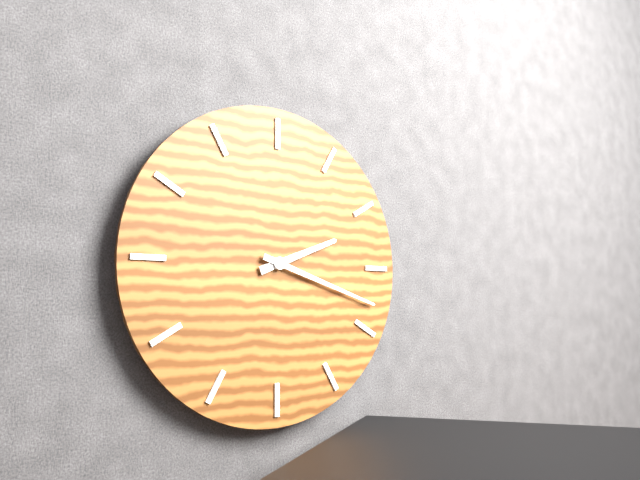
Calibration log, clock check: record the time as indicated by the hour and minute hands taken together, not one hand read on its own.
2:18
